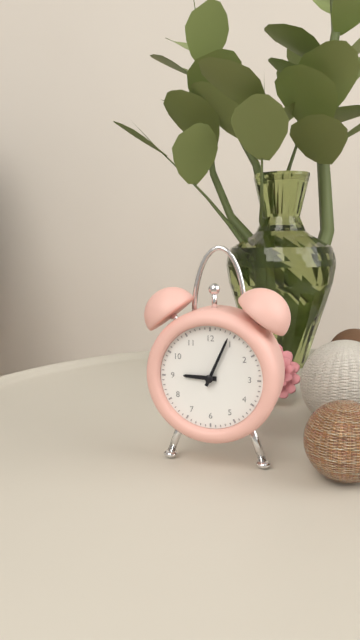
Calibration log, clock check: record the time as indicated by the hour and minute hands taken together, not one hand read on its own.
9:04
